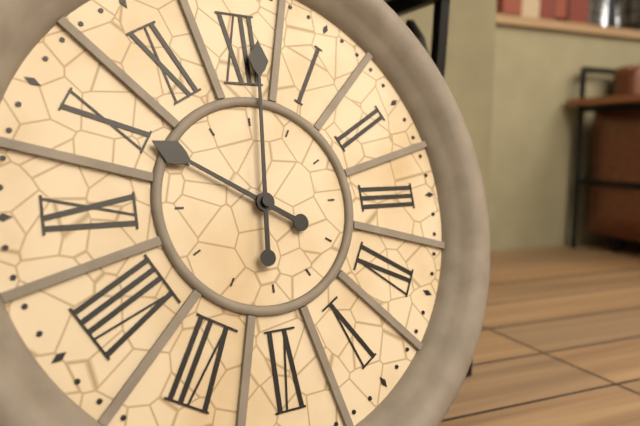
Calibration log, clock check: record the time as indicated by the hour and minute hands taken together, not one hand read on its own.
10:01
